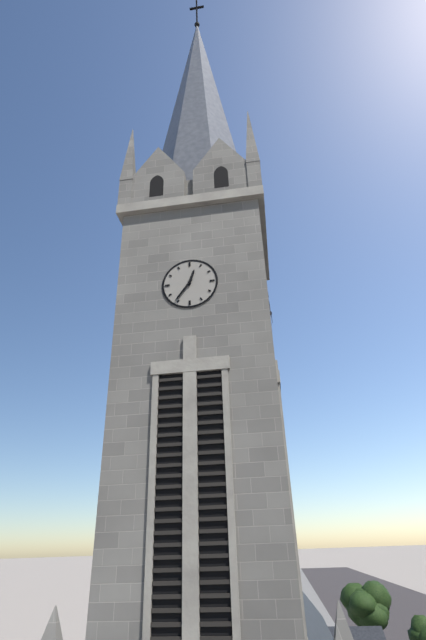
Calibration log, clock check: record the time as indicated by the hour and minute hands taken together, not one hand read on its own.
12:36
